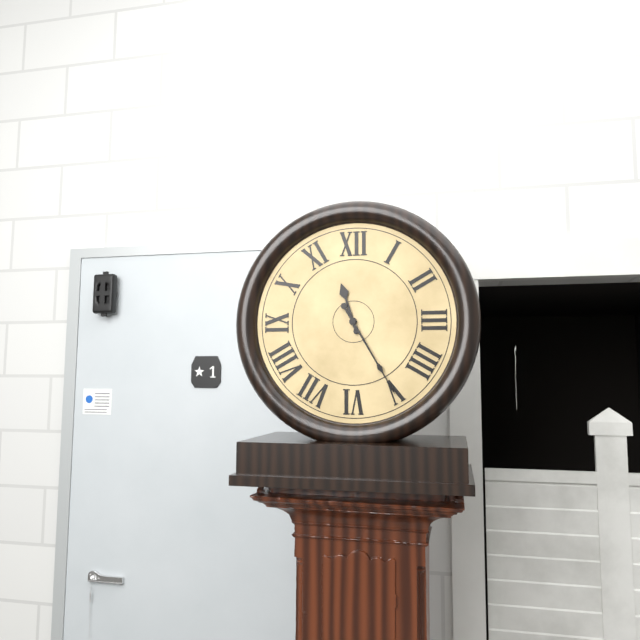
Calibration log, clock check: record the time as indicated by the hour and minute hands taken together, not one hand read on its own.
11:25
